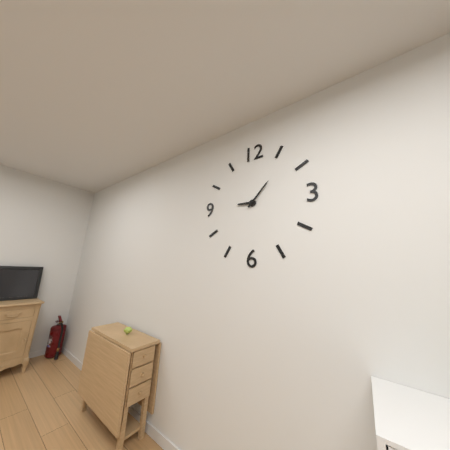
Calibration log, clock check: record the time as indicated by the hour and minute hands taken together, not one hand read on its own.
9:07
